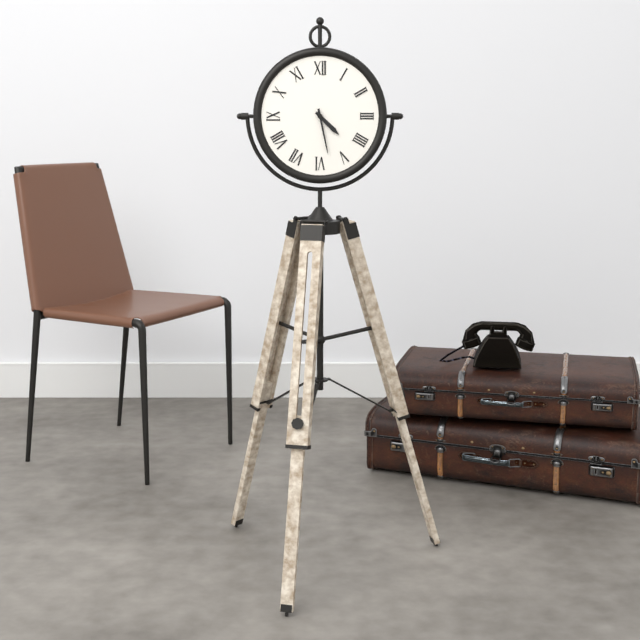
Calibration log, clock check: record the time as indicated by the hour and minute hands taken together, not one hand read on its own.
4:28
